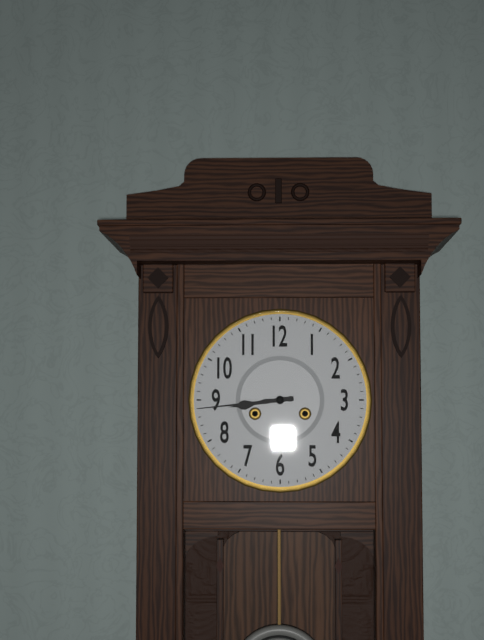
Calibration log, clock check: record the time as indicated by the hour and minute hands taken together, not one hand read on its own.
8:44
